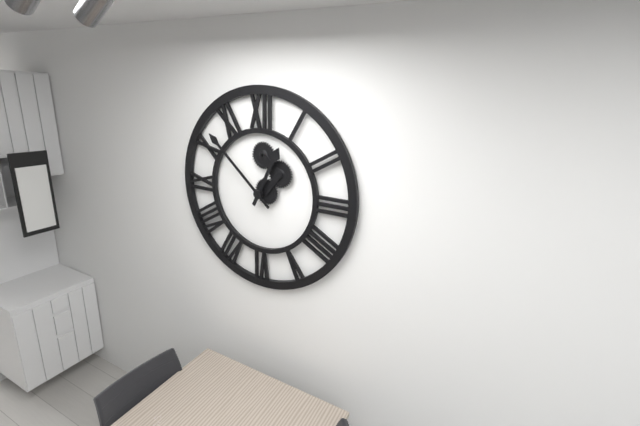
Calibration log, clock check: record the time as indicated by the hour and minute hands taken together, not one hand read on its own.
12:52
